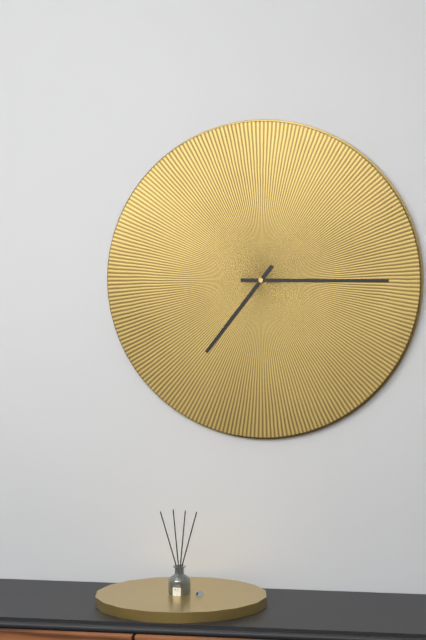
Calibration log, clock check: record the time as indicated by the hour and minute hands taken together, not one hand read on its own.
7:15
